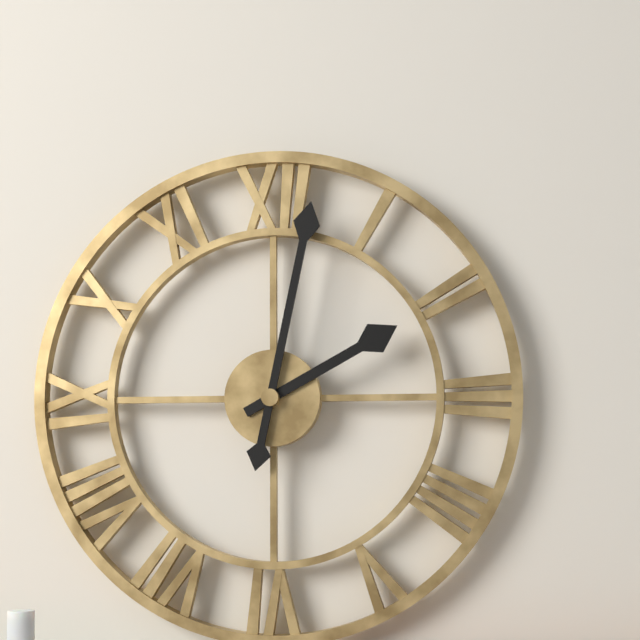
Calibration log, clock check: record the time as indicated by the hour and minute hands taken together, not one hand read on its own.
2:02
